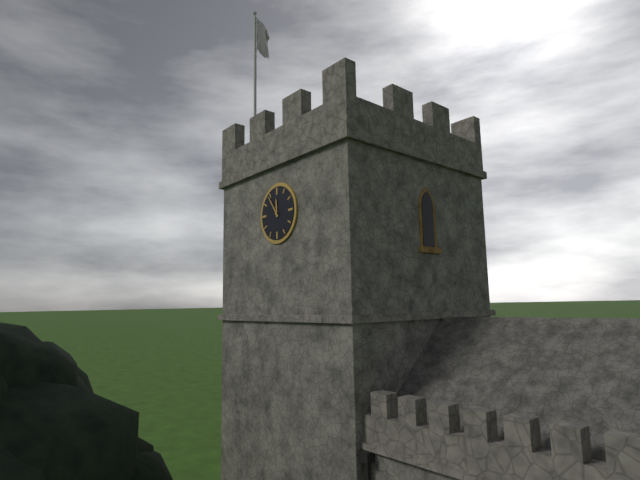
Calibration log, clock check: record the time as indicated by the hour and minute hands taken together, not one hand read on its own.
11:54
